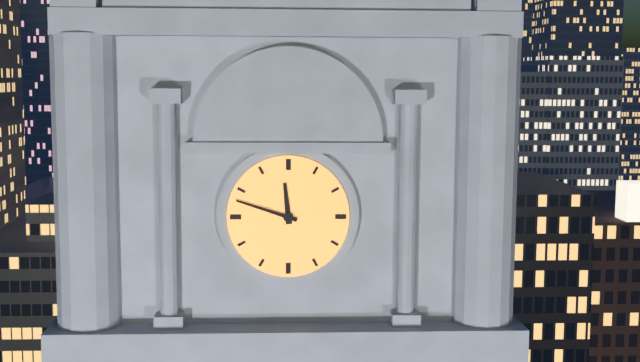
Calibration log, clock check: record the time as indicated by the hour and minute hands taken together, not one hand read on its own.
11:48
